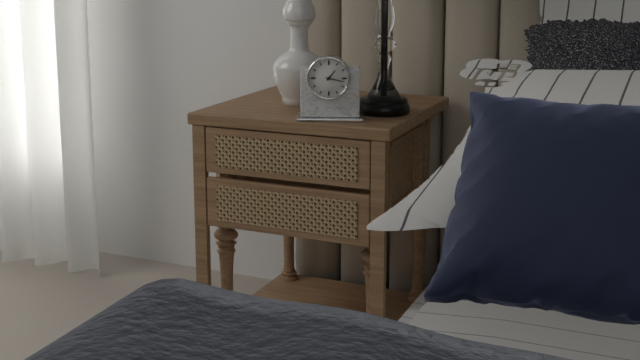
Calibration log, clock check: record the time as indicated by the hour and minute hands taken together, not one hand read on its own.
1:17
